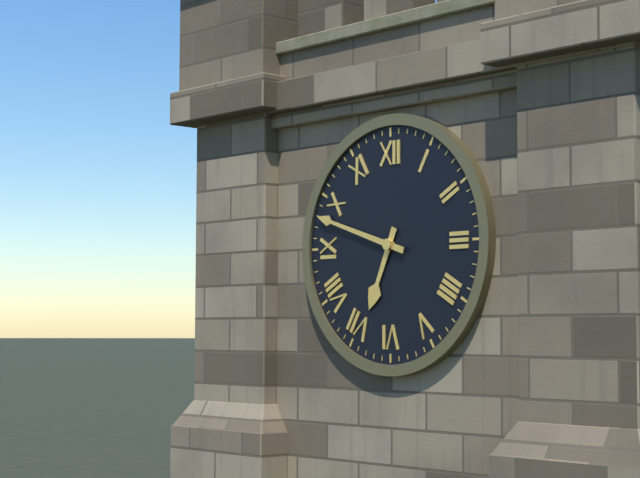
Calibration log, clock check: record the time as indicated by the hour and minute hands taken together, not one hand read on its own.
6:48
